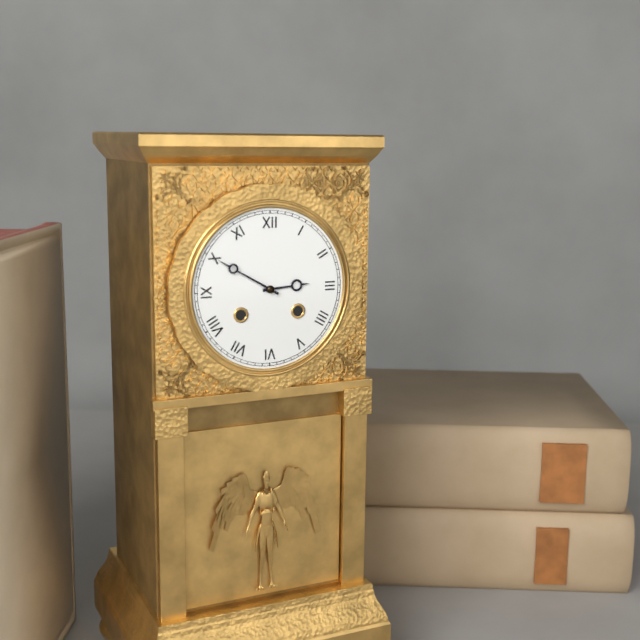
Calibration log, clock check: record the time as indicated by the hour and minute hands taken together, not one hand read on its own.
2:50
